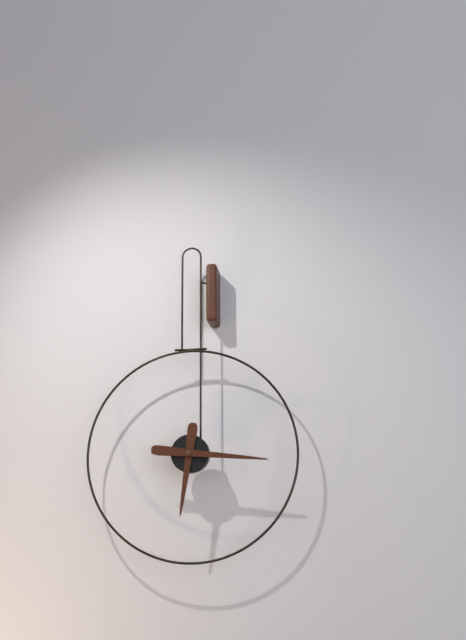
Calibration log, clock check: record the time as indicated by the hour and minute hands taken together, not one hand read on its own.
6:16
